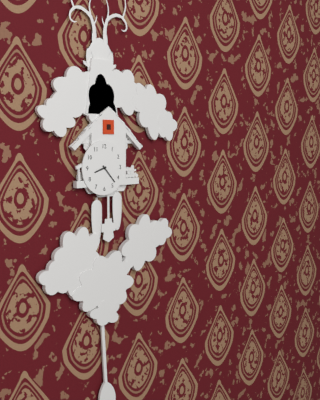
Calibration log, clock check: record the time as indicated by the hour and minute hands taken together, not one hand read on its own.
8:23
